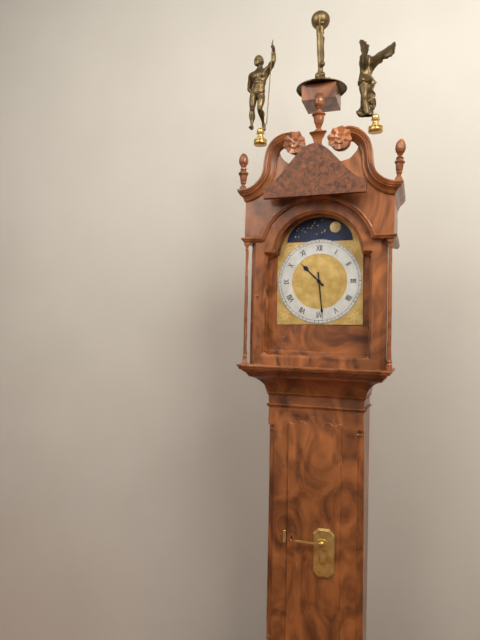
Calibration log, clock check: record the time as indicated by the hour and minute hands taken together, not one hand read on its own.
10:29
